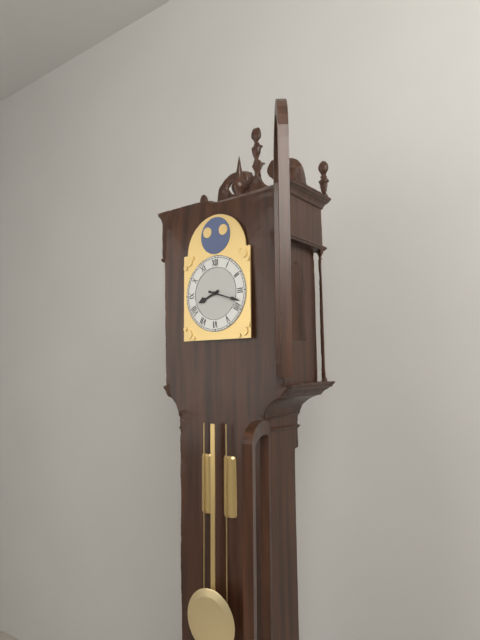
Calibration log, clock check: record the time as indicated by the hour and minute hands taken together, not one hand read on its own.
8:18
